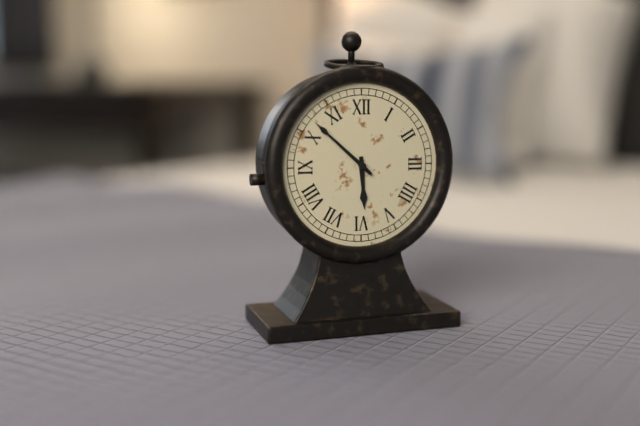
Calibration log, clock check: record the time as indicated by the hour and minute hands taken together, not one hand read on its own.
5:52
